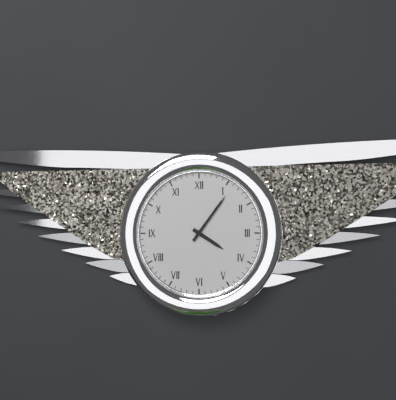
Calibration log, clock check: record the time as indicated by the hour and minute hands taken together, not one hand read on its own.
4:06
